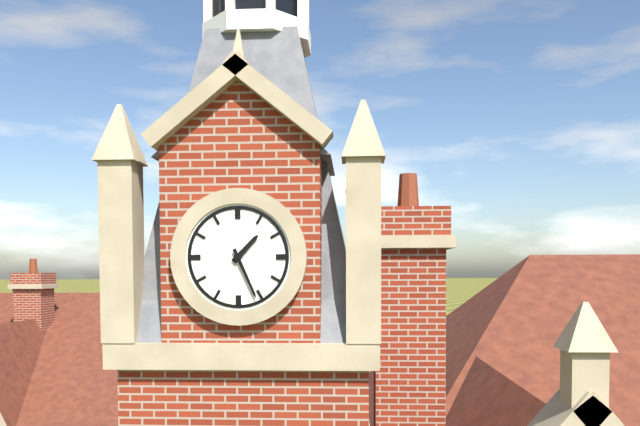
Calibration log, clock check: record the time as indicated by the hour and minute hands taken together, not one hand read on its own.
1:26
